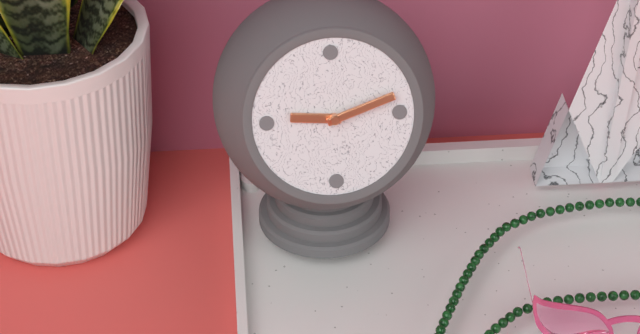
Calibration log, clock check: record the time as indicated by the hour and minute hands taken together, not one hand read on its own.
9:12
